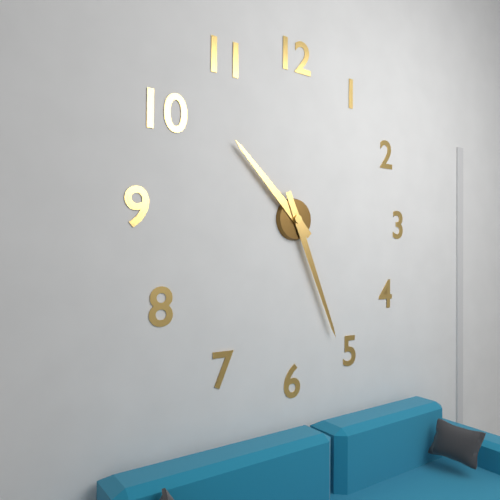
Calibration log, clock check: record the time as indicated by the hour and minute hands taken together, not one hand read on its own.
10:26
